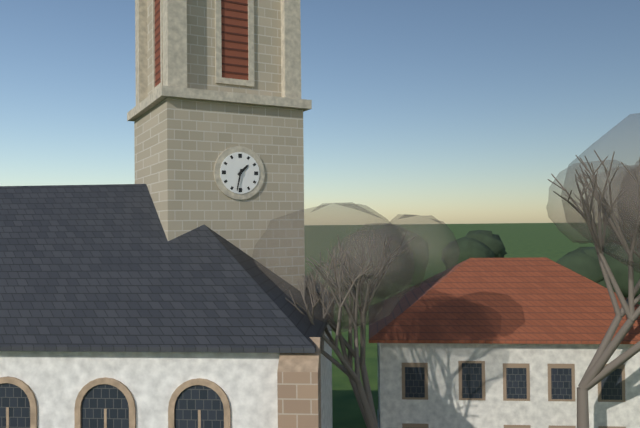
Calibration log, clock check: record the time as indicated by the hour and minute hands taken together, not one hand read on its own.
1:32
